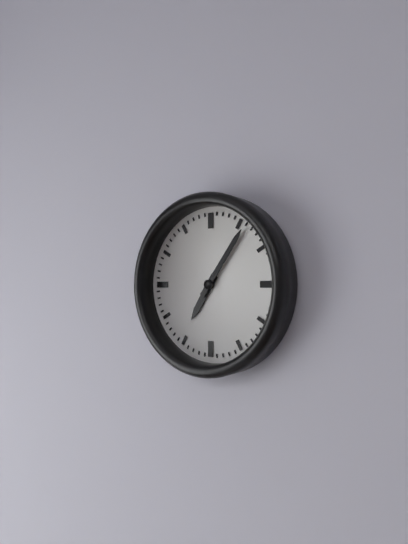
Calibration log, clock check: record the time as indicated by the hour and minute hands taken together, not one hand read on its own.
7:06
